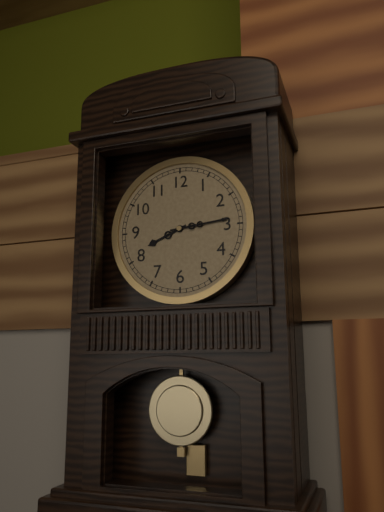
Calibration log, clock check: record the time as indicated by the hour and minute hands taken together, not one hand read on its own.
8:14
